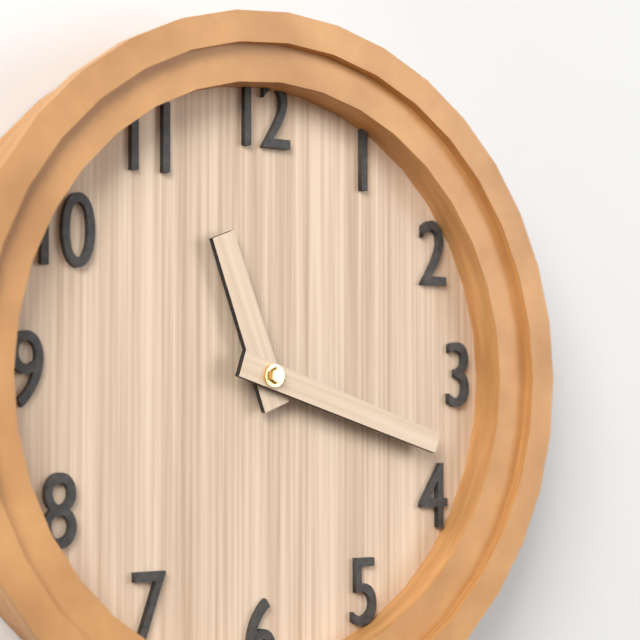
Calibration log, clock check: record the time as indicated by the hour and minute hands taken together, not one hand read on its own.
11:18
